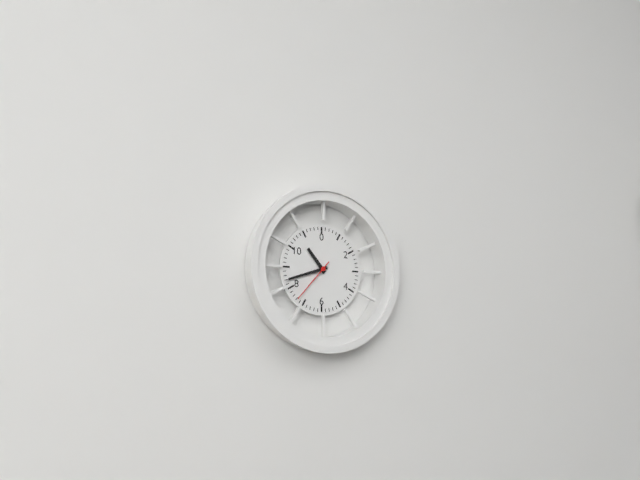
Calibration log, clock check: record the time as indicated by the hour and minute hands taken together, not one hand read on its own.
10:42
